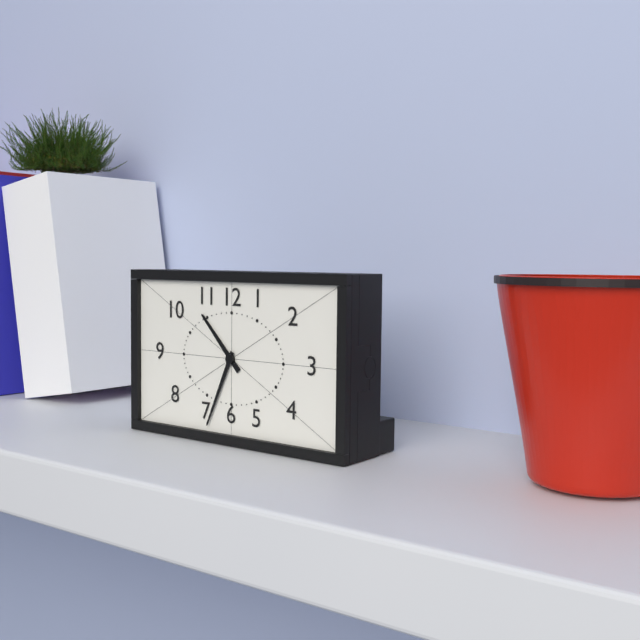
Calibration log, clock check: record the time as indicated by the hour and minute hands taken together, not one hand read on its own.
10:34
